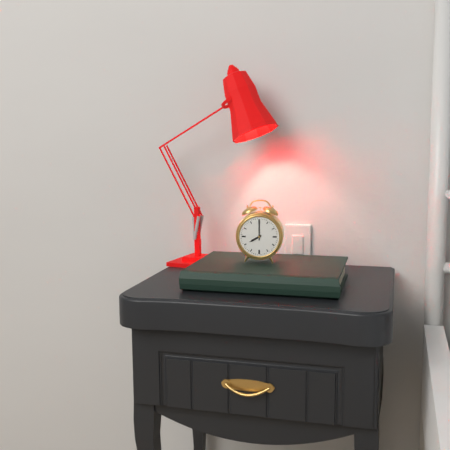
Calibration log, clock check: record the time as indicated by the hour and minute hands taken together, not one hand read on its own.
8:00
